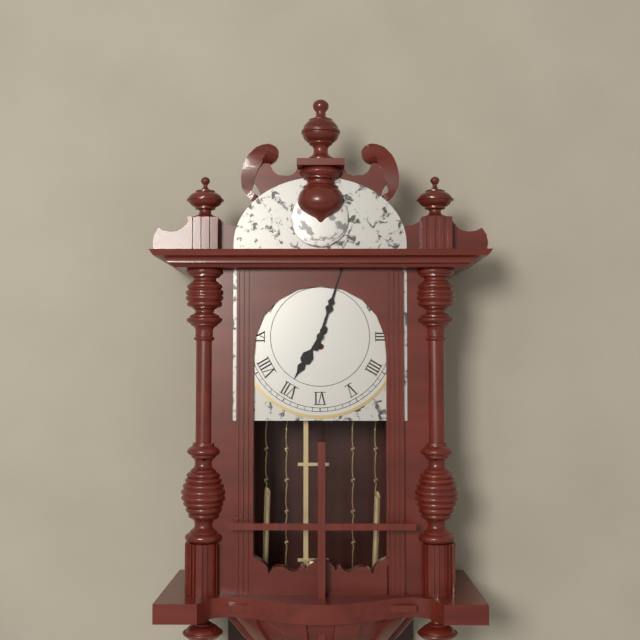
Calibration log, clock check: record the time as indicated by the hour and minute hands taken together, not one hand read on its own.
7:03
